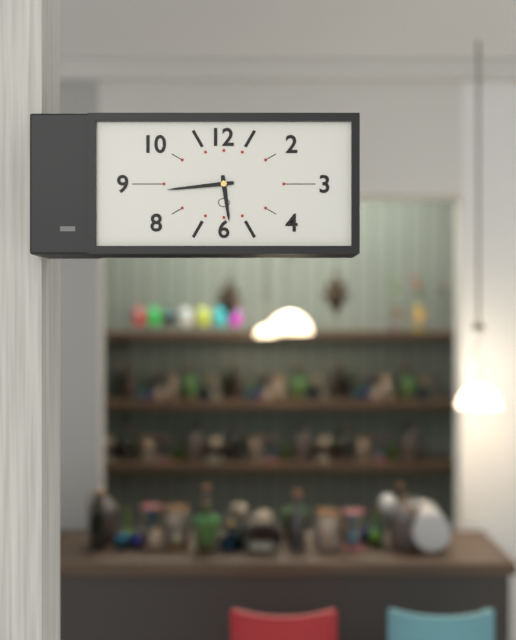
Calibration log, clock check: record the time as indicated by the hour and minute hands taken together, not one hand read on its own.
5:44
